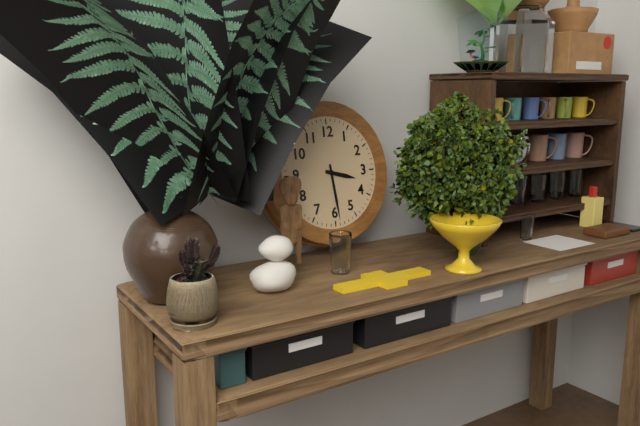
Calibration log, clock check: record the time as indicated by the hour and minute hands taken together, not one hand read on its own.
3:29
